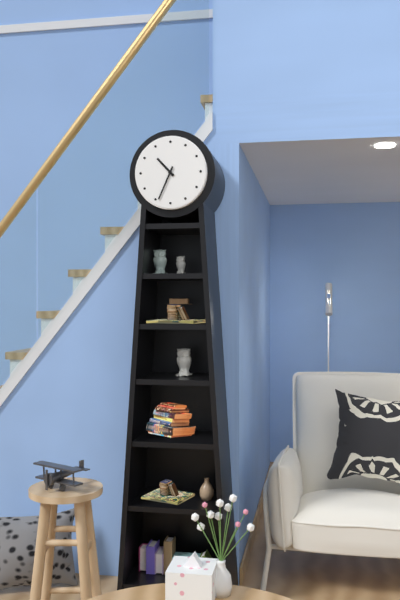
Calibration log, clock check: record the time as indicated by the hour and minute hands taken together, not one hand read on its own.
10:34
